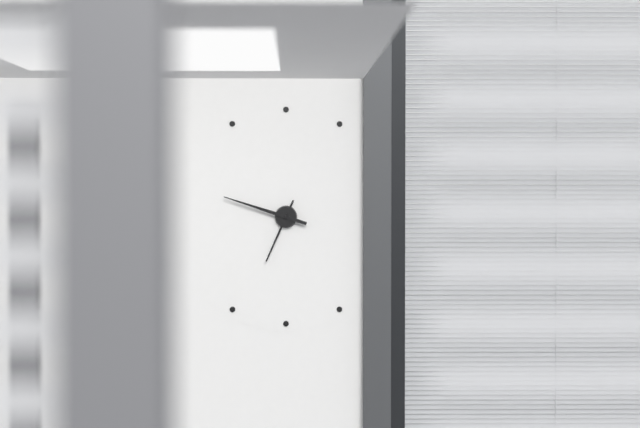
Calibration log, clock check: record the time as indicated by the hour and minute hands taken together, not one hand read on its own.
6:48
